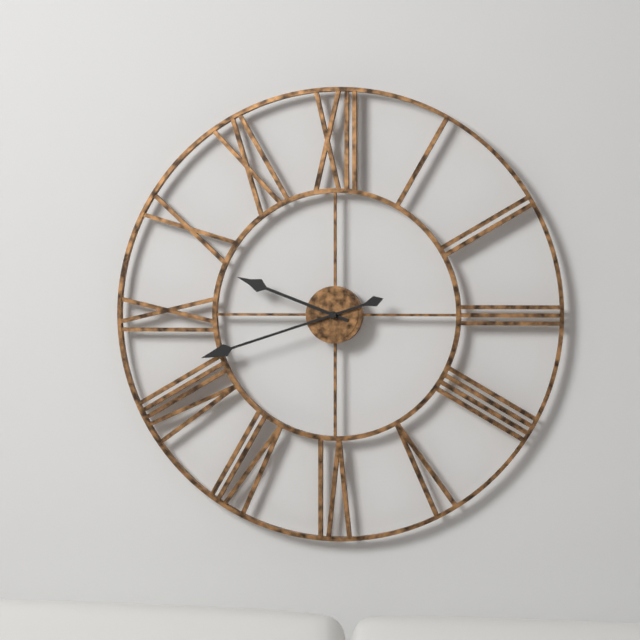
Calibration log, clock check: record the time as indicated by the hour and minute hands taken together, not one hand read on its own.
9:42
